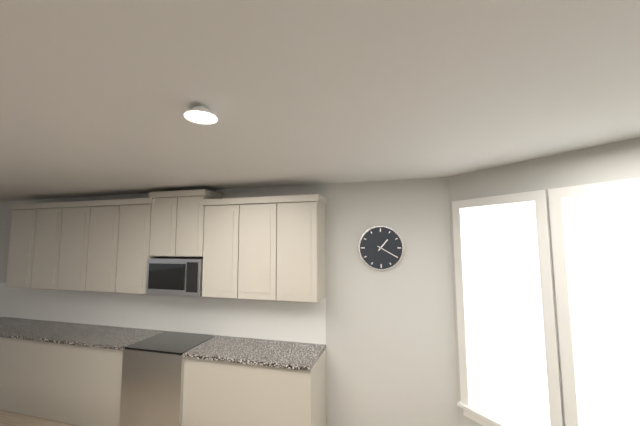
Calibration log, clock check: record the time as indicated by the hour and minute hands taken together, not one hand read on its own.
1:20
